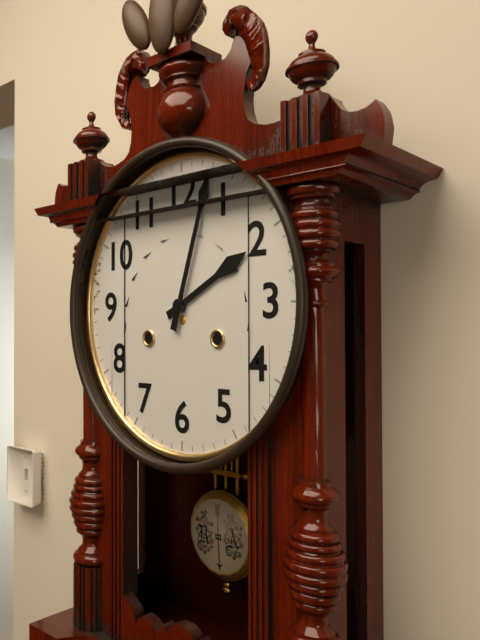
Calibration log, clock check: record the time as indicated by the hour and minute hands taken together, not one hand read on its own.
2:03
